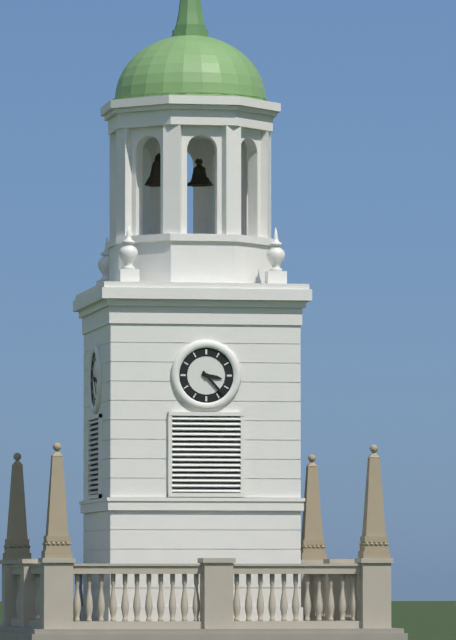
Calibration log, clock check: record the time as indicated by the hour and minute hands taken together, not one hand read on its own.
3:23
